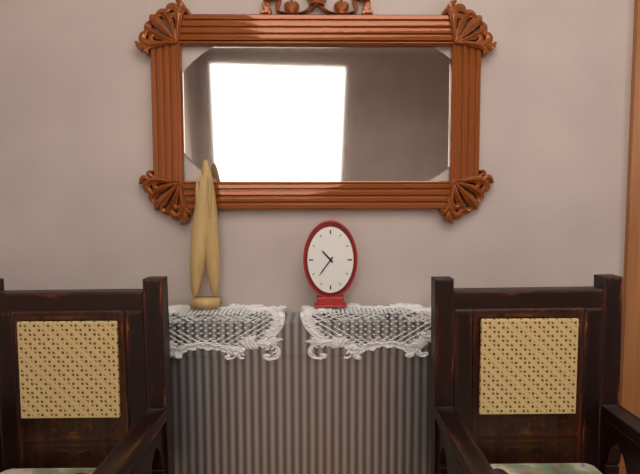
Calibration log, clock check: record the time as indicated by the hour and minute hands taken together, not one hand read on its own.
10:36
